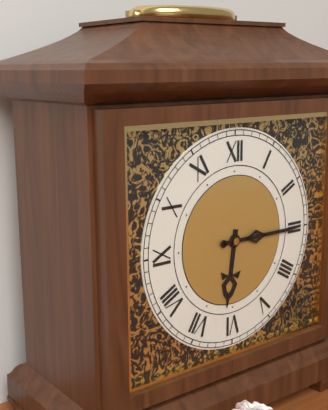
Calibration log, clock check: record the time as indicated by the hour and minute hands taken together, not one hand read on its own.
6:15
